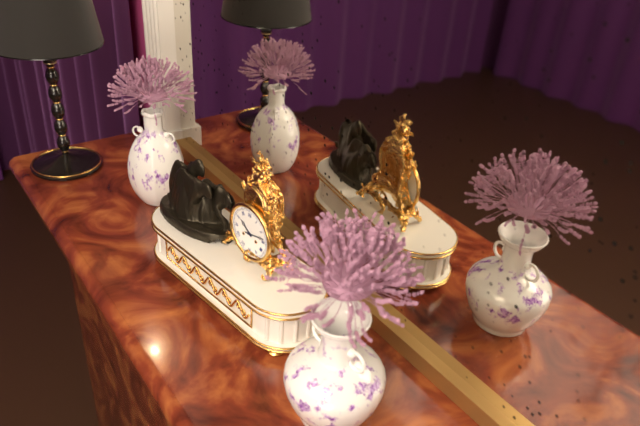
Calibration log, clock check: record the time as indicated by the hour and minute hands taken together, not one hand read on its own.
10:13
